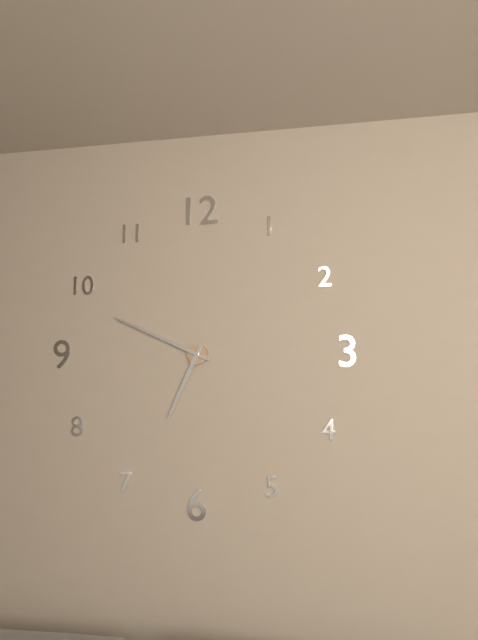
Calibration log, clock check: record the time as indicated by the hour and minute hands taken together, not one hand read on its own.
6:49
